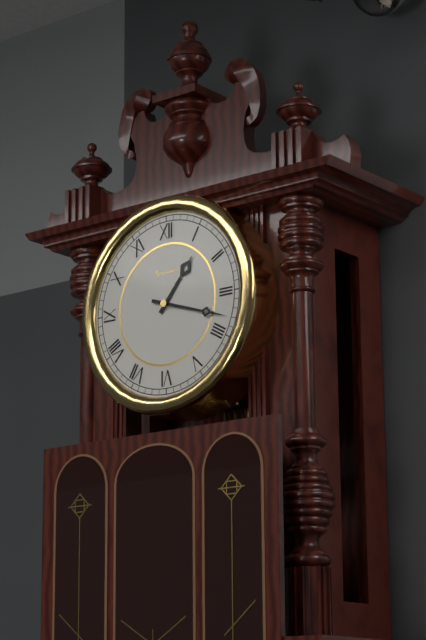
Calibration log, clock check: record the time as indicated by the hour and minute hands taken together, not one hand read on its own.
1:18
